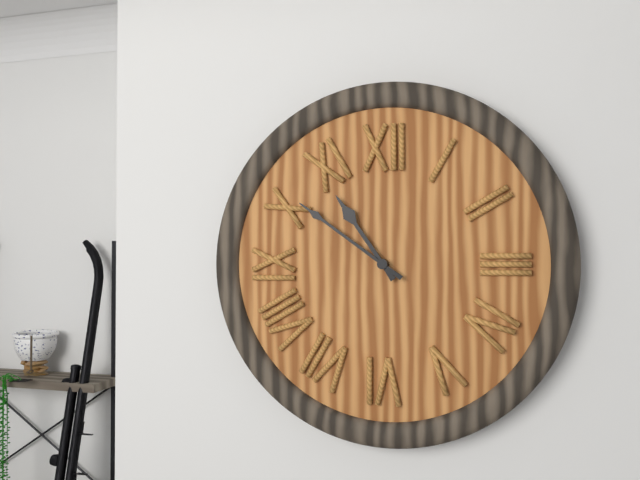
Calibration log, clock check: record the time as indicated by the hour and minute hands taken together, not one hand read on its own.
10:51
